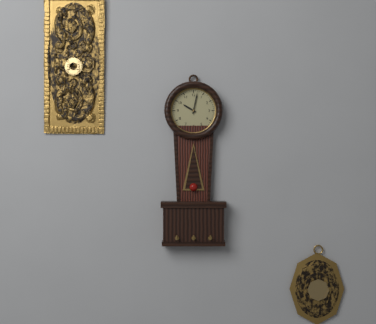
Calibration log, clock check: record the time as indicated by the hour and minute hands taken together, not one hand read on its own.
10:02
